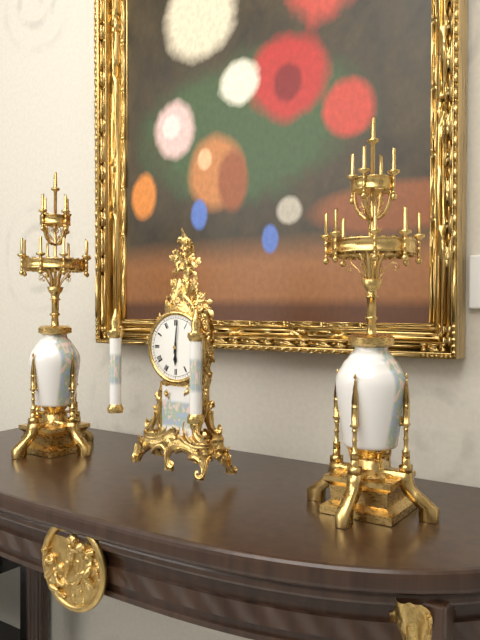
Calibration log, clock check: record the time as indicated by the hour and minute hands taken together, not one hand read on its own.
6:01
